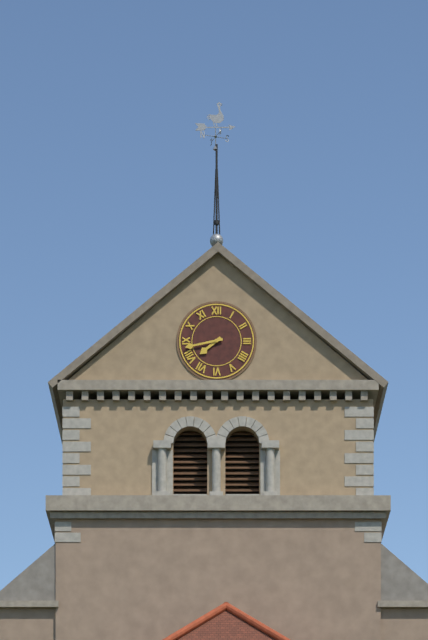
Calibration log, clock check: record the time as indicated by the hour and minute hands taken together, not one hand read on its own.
7:43
